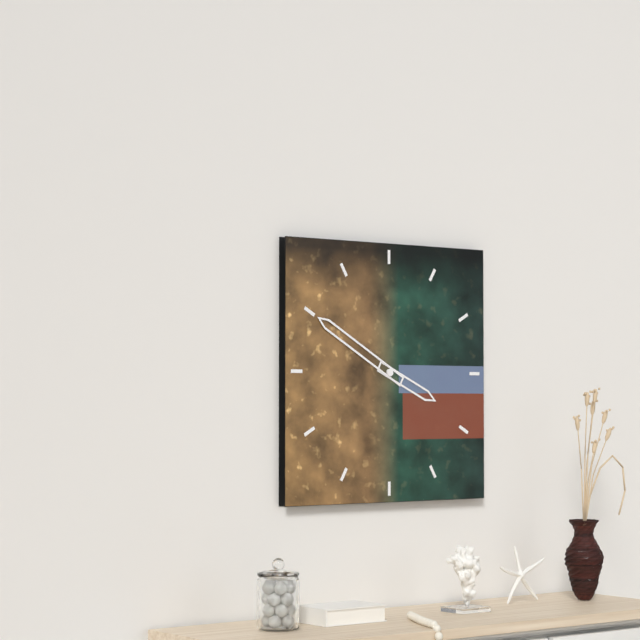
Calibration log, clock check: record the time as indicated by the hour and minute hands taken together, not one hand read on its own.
3:50
